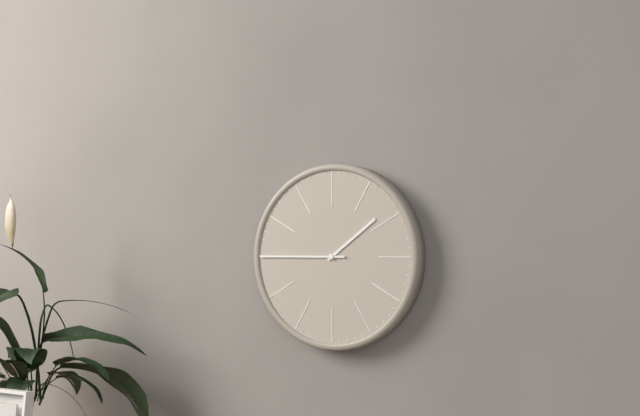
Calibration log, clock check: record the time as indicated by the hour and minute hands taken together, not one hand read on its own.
1:45
